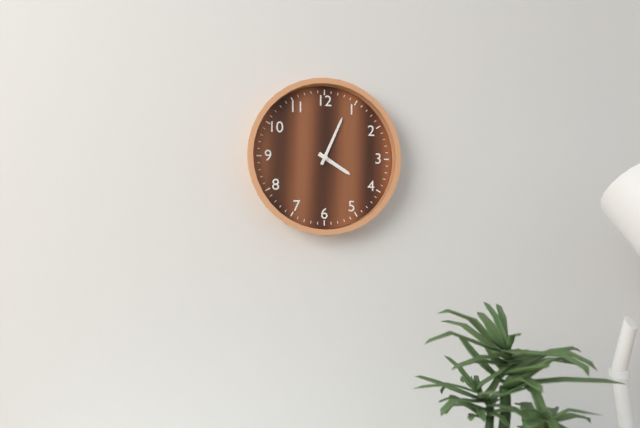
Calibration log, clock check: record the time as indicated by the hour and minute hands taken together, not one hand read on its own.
4:04
